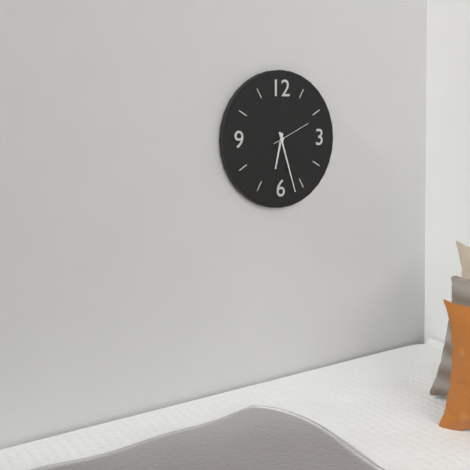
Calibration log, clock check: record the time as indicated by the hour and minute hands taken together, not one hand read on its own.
6:27
